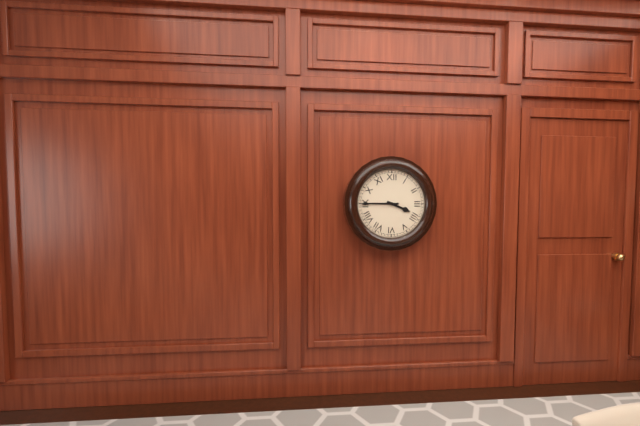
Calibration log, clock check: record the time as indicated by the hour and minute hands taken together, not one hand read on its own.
3:45
